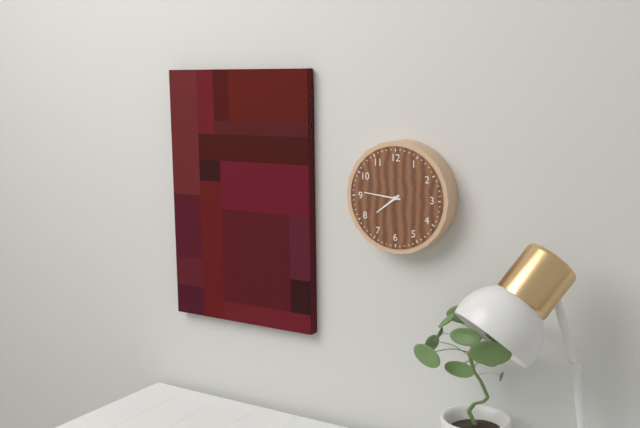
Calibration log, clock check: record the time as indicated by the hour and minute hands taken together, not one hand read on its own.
7:46
